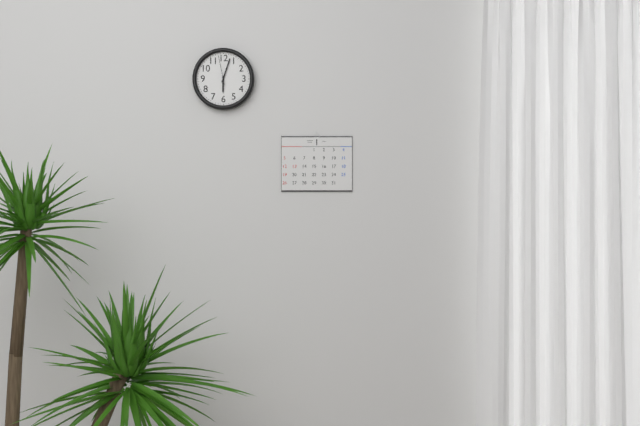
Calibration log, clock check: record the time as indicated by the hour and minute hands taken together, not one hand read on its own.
6:03
